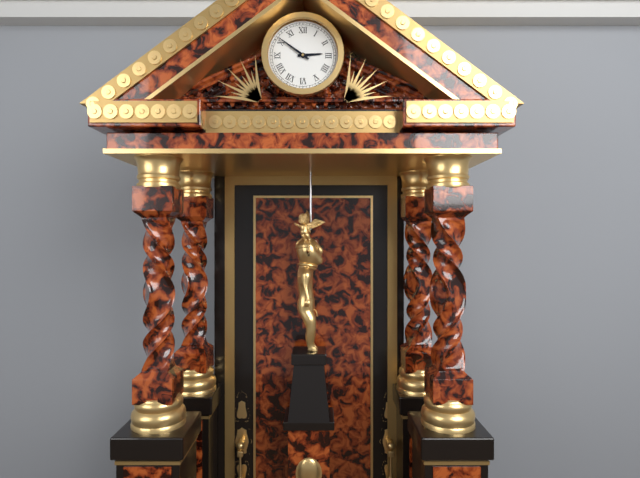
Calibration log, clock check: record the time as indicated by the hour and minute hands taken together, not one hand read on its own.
2:51
